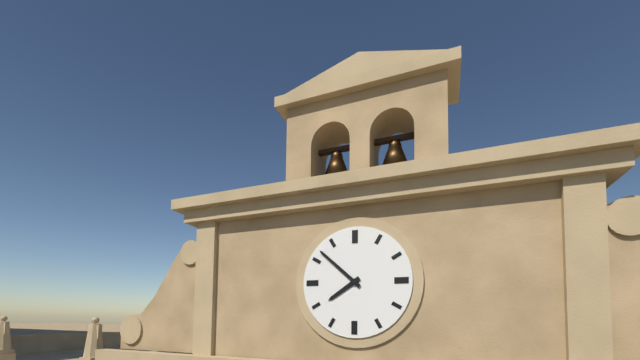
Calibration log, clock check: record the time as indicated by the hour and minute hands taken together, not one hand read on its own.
7:52
